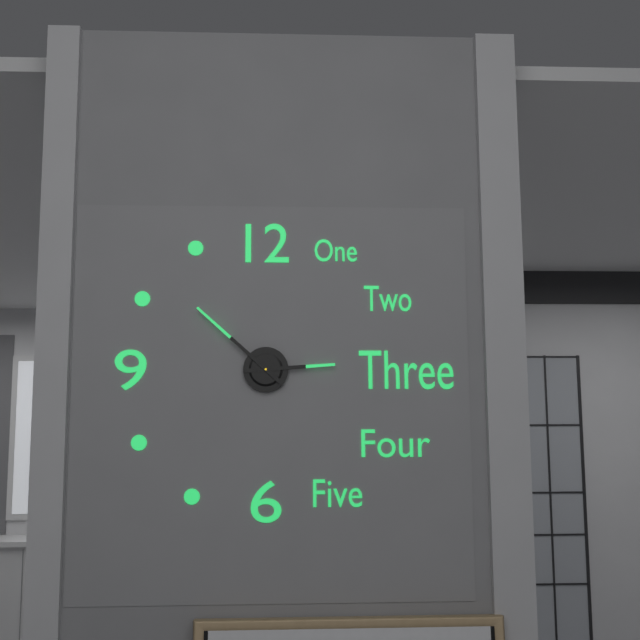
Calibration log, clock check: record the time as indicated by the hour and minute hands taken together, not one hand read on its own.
2:52
